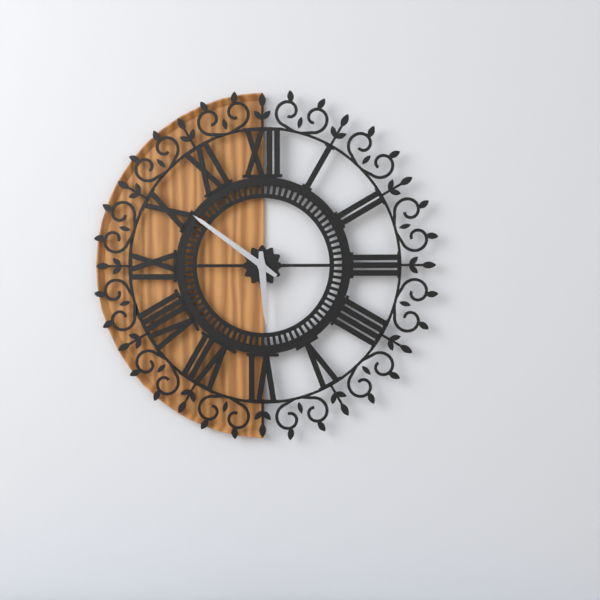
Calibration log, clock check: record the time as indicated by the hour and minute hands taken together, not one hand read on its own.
5:51
